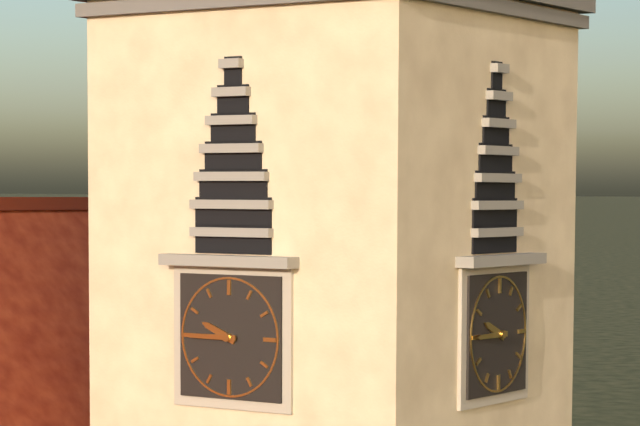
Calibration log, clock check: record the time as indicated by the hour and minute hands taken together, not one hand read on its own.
9:45
